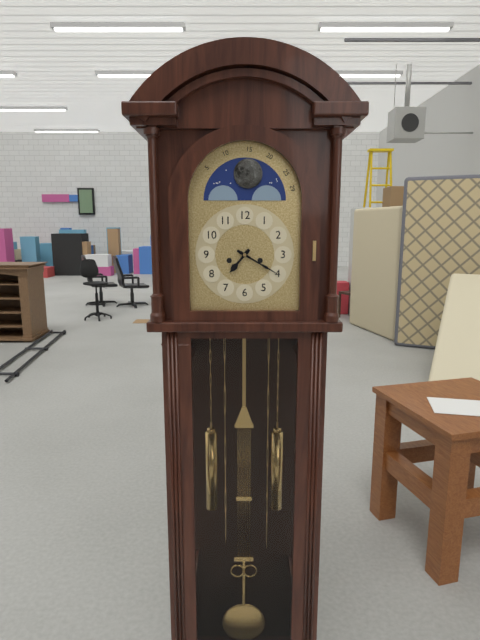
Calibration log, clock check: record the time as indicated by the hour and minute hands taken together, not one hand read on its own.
7:20
